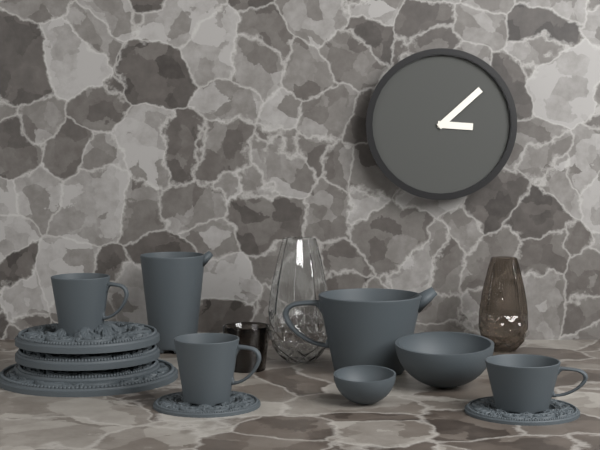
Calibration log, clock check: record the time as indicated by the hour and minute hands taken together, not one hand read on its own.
3:08
